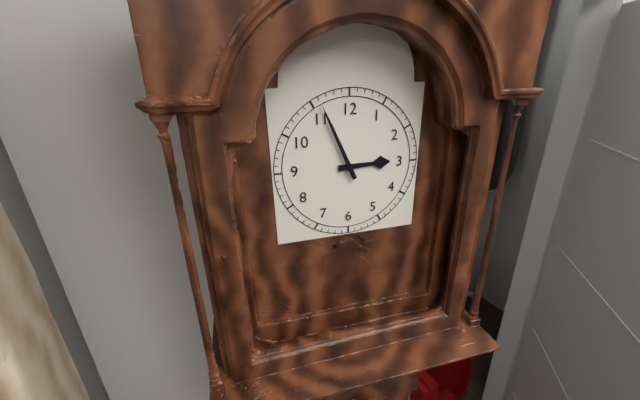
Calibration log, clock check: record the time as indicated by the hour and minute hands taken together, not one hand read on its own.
2:56
